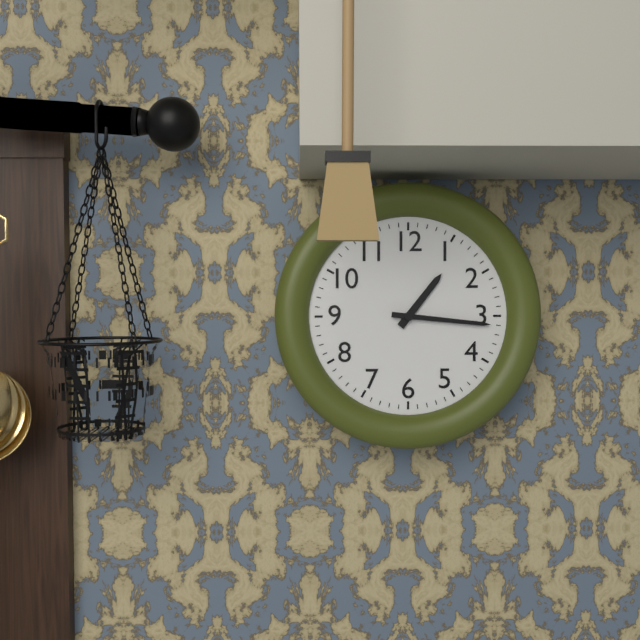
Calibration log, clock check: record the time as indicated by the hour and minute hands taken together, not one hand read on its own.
1:16
